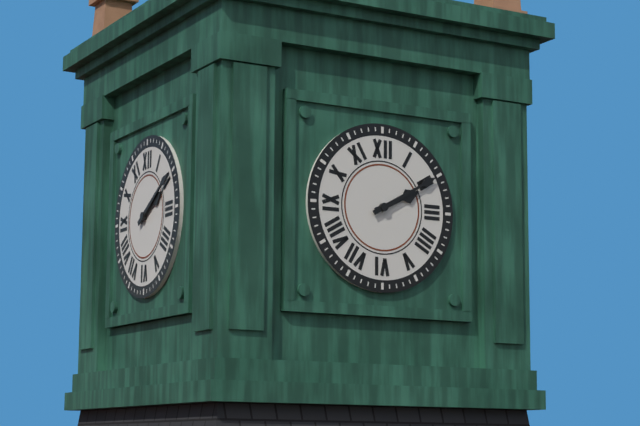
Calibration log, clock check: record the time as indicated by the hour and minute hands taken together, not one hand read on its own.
2:10
